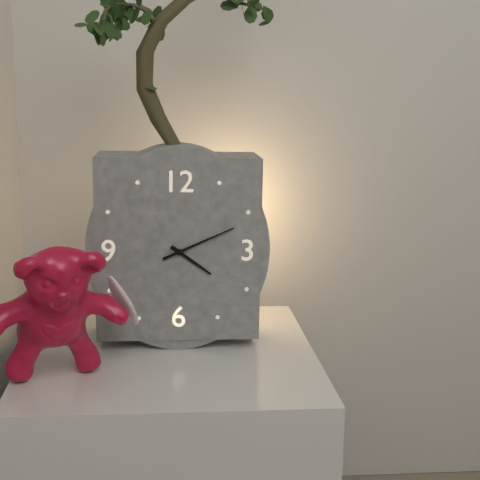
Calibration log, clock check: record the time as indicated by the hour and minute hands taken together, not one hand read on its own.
4:11
